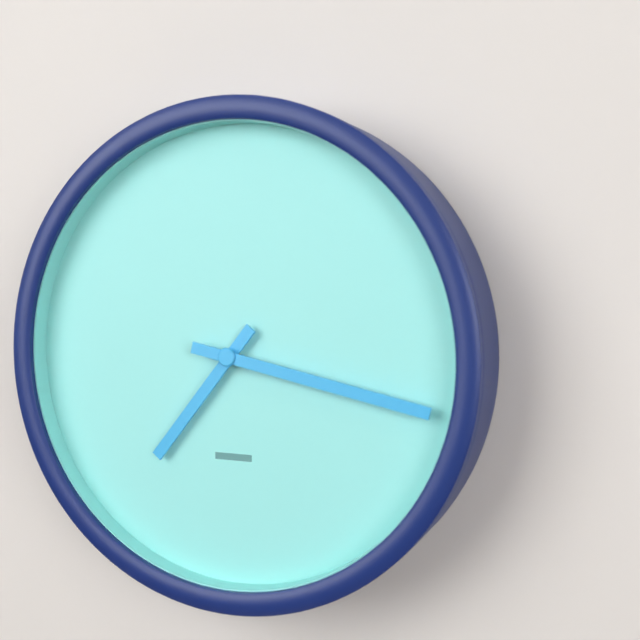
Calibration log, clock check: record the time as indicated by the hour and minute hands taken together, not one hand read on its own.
7:17
